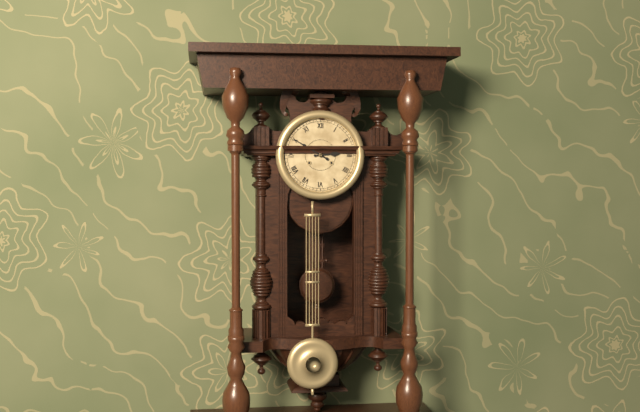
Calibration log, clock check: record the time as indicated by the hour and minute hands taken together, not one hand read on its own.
2:50
